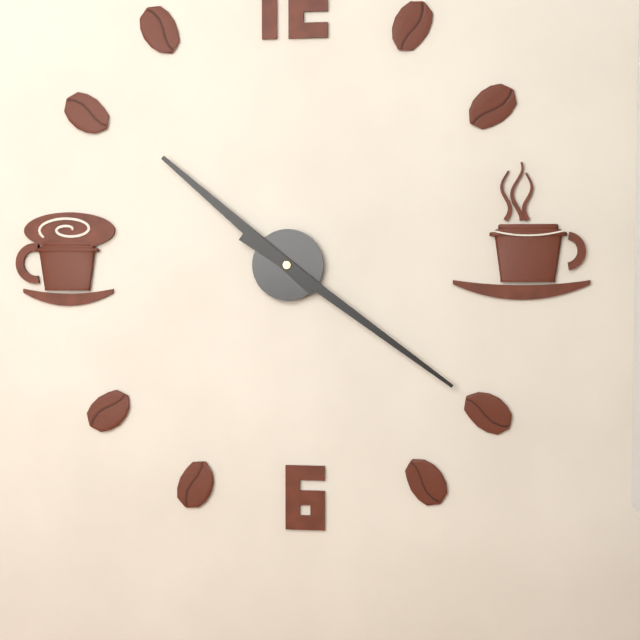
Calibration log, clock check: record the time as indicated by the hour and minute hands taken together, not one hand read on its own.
10:21
